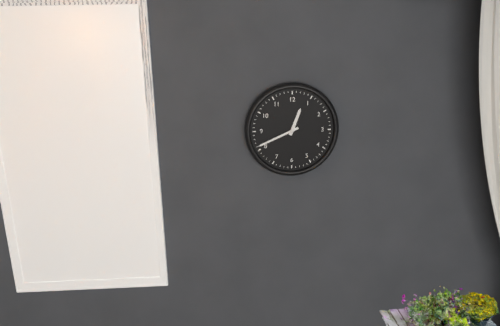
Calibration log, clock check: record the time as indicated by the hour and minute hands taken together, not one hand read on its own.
12:41
